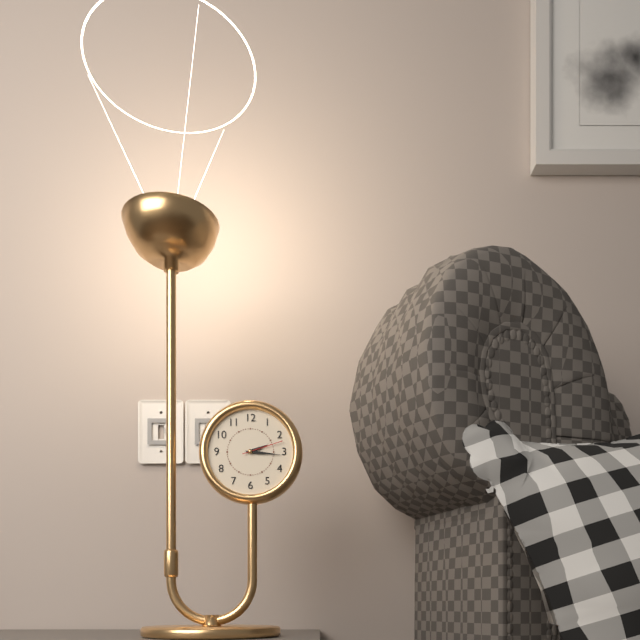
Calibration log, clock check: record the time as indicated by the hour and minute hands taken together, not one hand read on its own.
2:16
